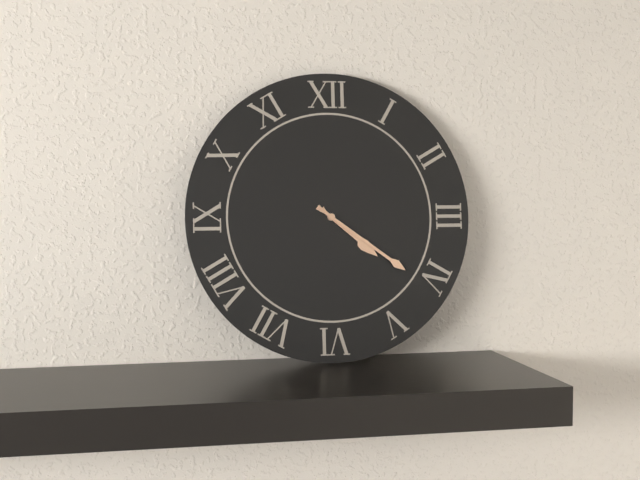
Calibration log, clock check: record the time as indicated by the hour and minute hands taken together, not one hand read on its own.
4:21
